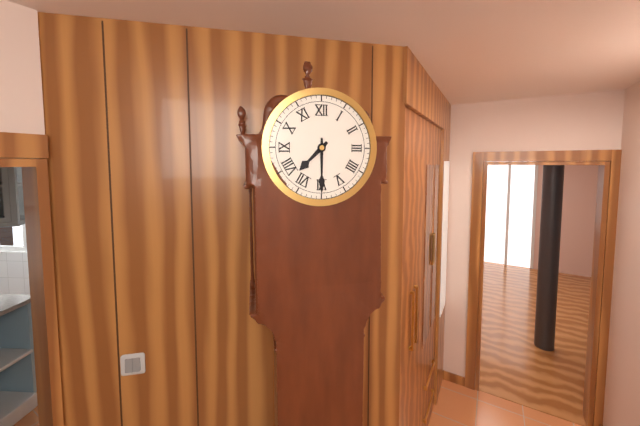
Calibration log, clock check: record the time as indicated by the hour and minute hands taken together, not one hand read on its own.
7:30
